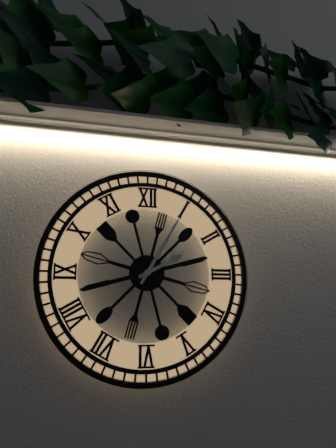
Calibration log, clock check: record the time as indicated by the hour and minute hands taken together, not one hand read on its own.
2:05
